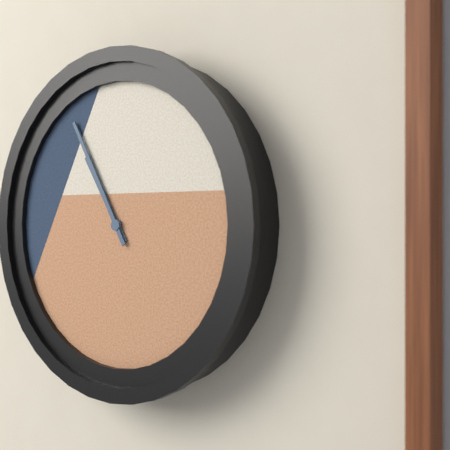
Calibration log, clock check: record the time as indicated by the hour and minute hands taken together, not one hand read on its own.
10:55
